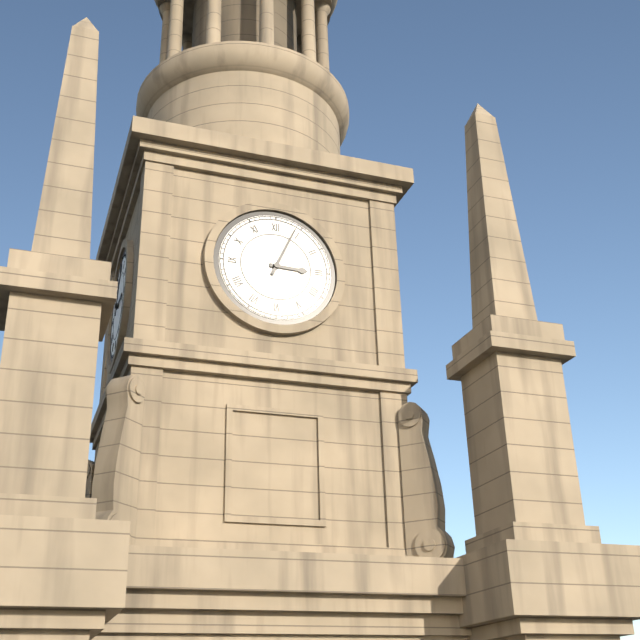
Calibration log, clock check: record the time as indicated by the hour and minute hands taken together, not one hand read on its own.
3:04
